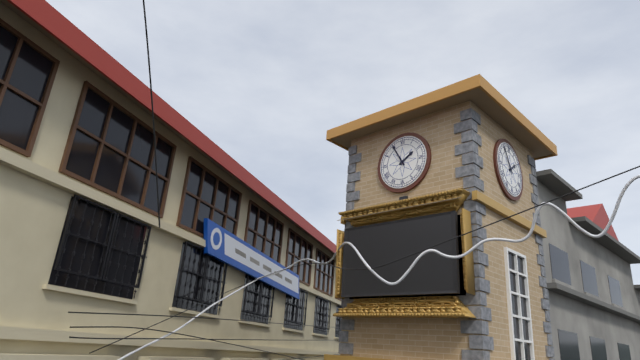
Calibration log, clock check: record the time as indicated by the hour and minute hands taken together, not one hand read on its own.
1:55
